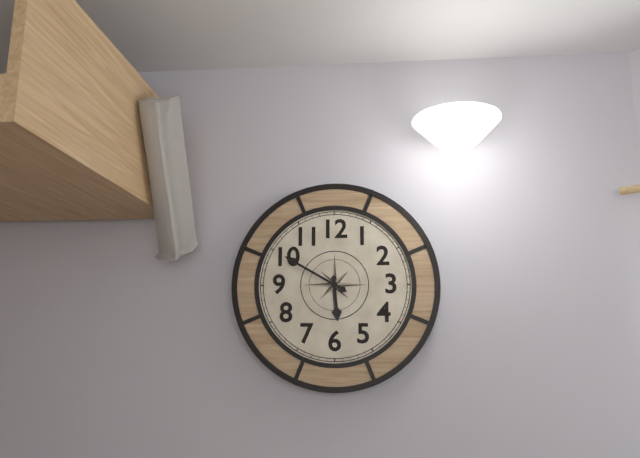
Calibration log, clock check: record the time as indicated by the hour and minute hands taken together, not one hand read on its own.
5:50
